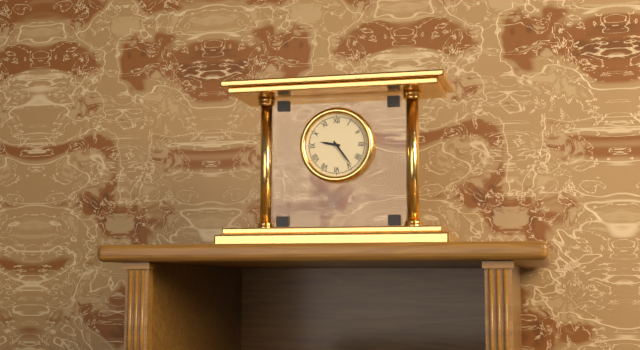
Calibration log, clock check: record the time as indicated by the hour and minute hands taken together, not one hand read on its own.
9:24
